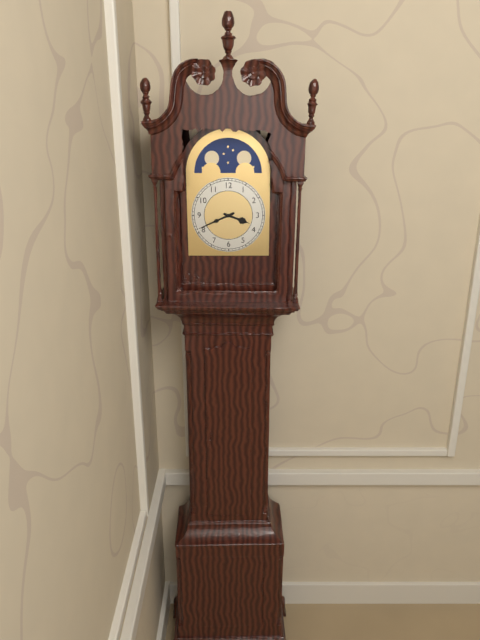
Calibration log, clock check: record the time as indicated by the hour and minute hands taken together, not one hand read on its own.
3:41
